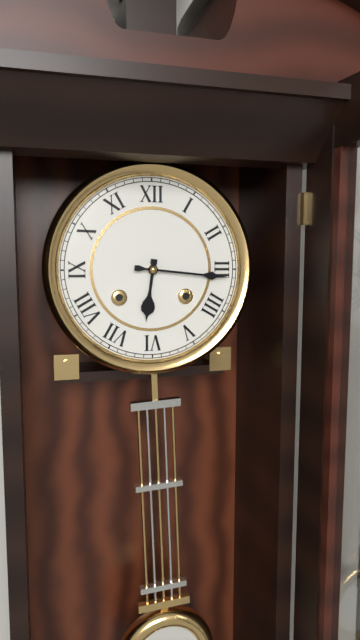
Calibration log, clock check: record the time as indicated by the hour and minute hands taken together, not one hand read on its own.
6:16
